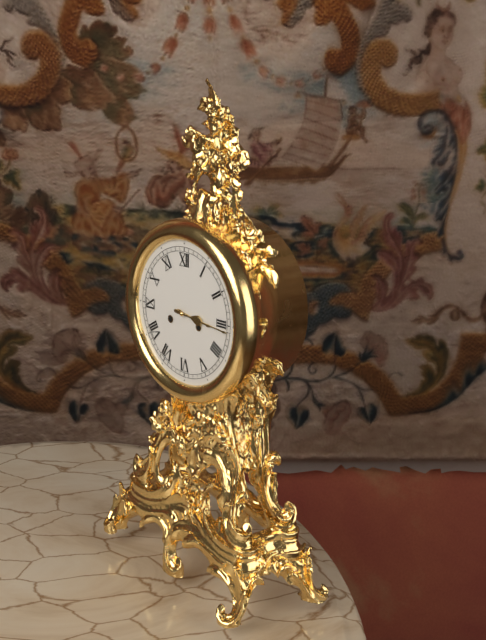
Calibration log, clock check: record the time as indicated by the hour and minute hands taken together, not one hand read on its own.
3:16
